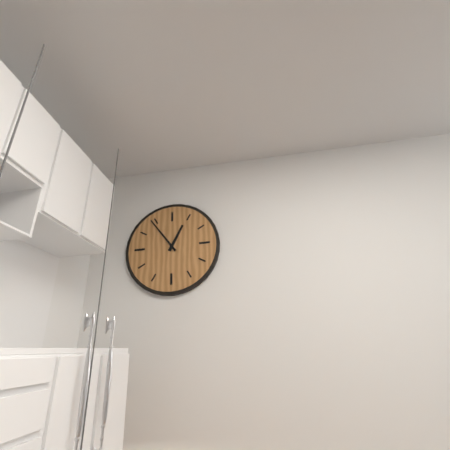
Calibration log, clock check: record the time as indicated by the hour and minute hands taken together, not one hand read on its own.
12:54
